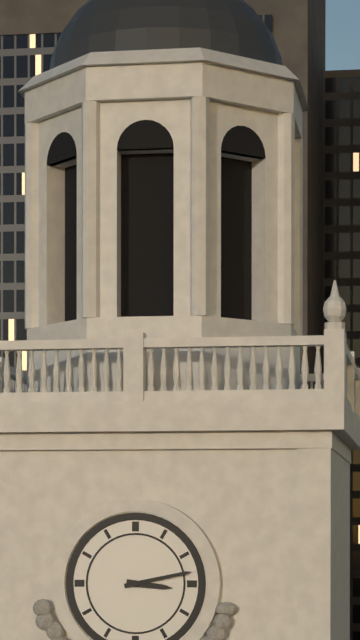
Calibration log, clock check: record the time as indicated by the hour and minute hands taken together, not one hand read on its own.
3:13
